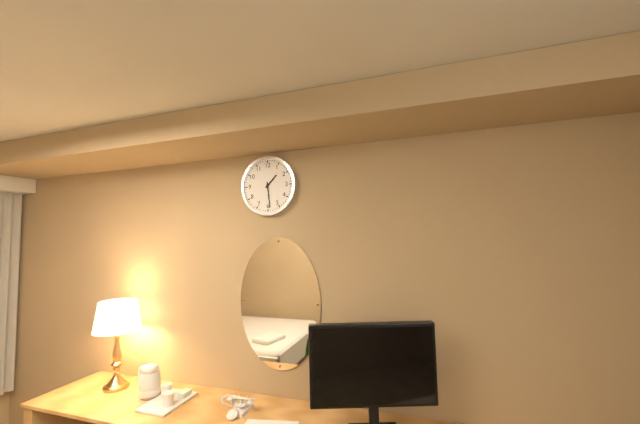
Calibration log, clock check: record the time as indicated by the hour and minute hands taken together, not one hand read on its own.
1:29
